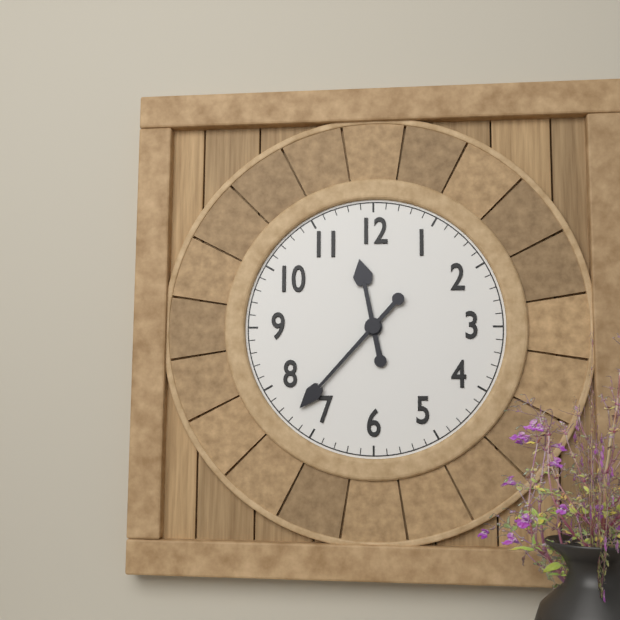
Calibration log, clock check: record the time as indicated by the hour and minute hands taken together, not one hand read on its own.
11:37
